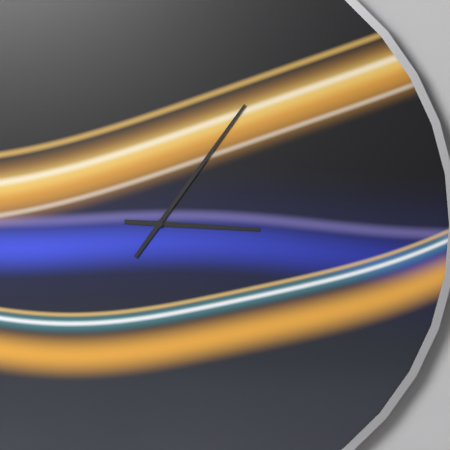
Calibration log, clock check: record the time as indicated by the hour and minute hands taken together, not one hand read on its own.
3:06
